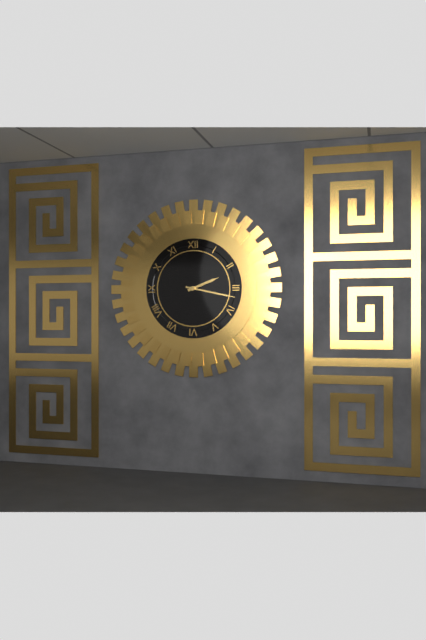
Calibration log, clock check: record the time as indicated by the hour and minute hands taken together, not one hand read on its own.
2:17
